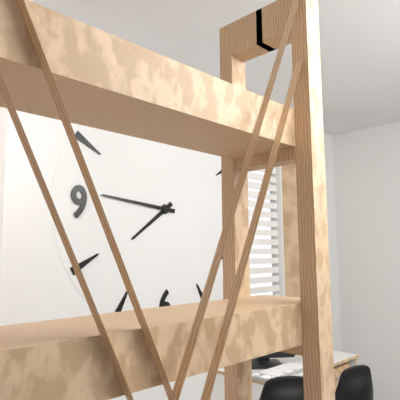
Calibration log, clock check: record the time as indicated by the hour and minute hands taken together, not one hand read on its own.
7:46
